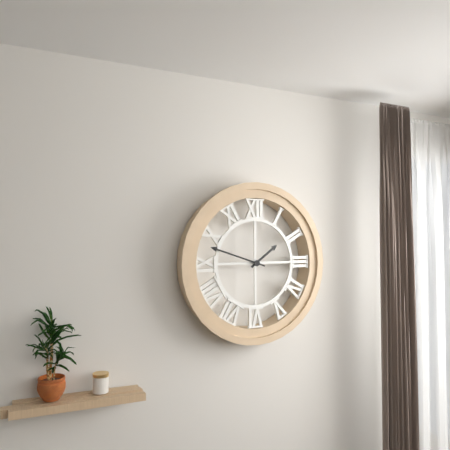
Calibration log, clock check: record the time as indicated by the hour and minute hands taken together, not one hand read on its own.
1:48
